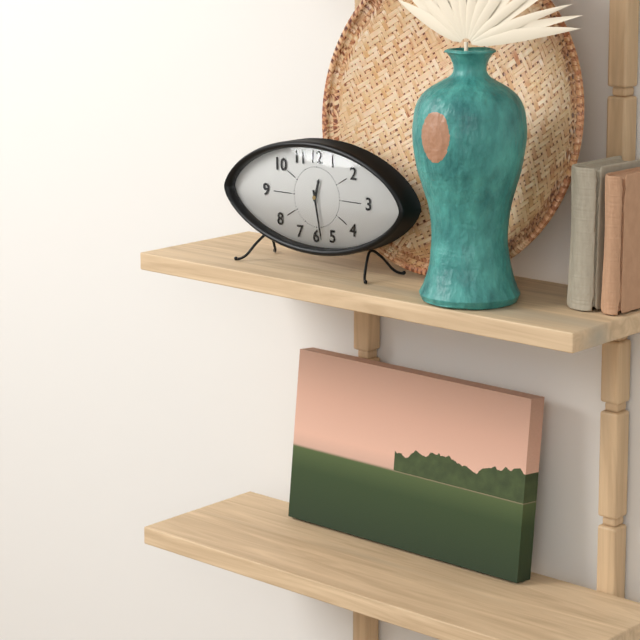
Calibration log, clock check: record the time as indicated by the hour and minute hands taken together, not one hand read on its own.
12:28
